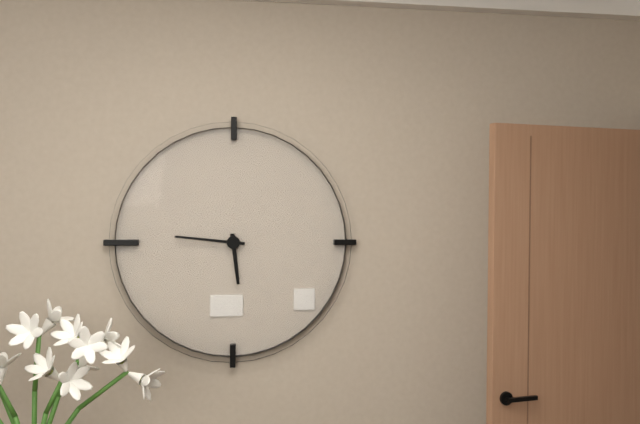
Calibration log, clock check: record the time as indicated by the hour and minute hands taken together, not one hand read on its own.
5:46
